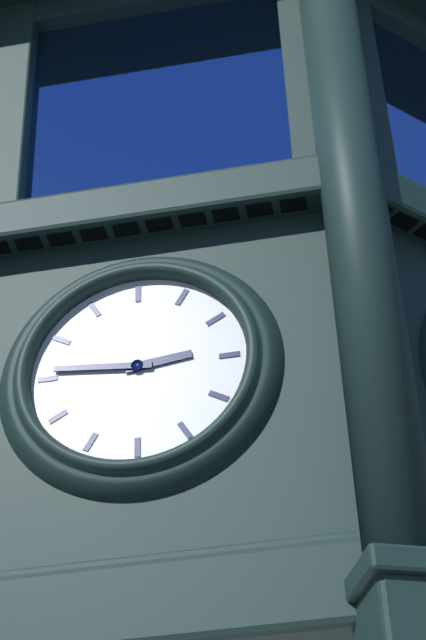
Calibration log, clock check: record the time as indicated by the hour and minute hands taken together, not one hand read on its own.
2:46
